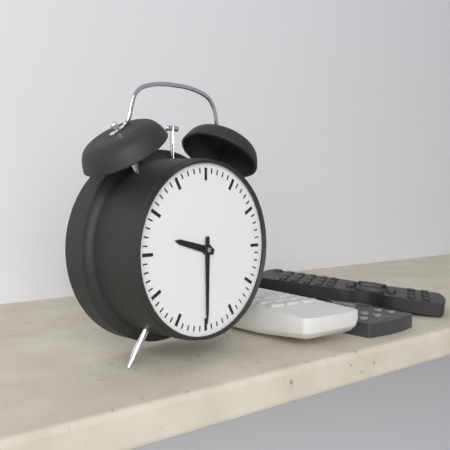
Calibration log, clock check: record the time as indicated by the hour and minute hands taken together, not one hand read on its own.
9:30
